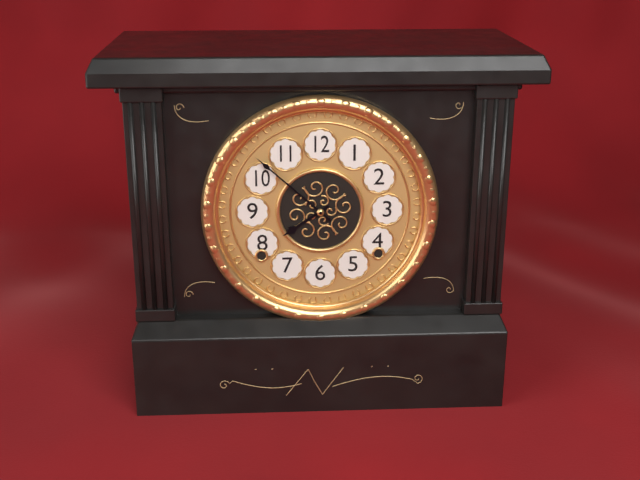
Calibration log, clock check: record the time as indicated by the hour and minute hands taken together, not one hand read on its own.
7:52
